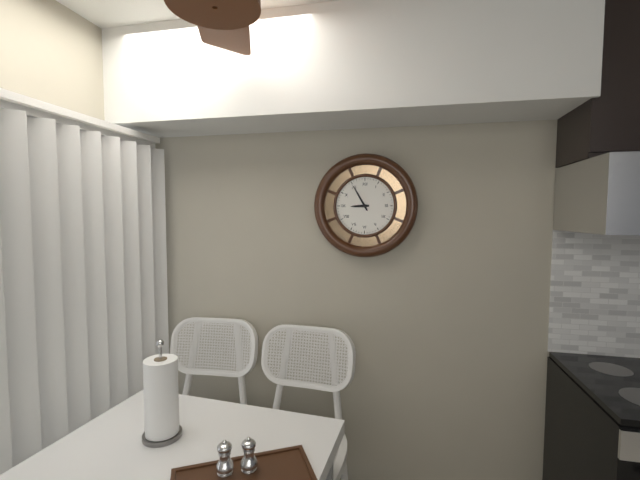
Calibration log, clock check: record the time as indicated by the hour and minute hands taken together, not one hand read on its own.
8:55
